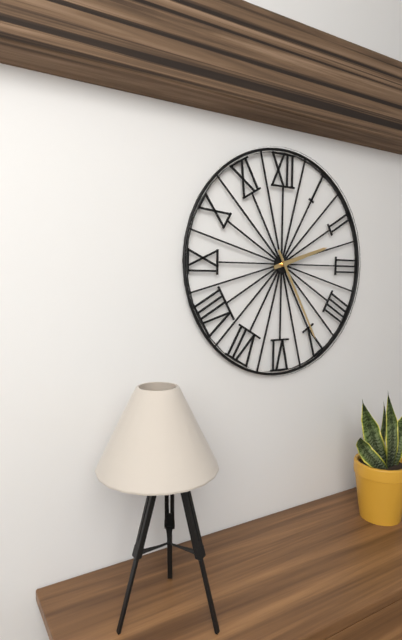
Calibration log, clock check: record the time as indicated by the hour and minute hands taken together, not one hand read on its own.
2:25
